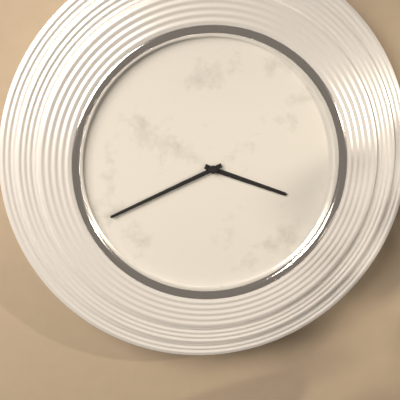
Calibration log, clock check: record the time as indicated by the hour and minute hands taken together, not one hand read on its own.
3:41
